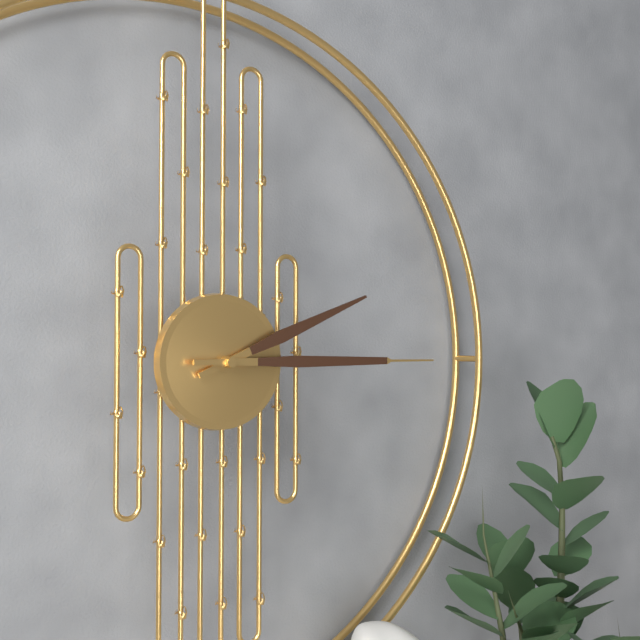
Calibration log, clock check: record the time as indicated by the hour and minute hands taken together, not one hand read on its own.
2:15
